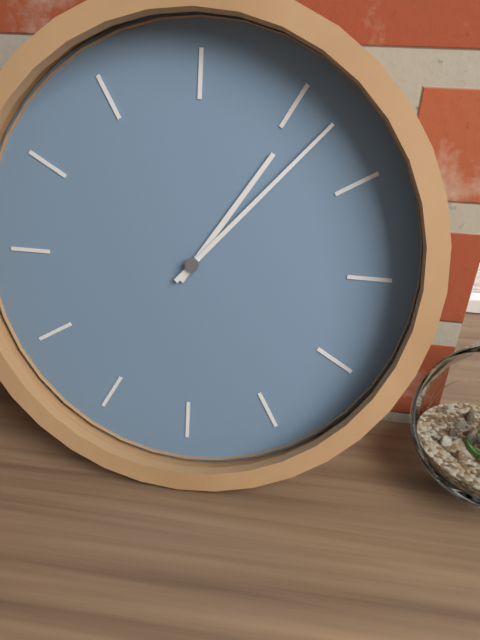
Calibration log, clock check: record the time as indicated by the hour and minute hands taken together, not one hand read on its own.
1:07
